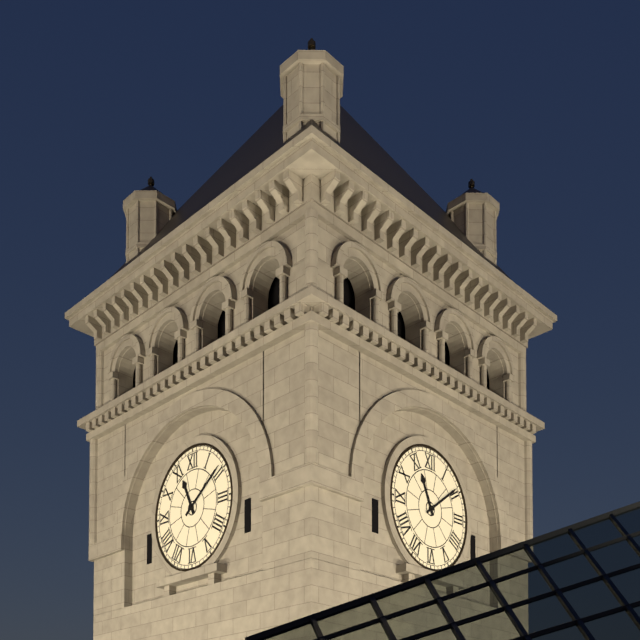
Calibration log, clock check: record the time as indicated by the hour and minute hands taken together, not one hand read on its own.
11:09
